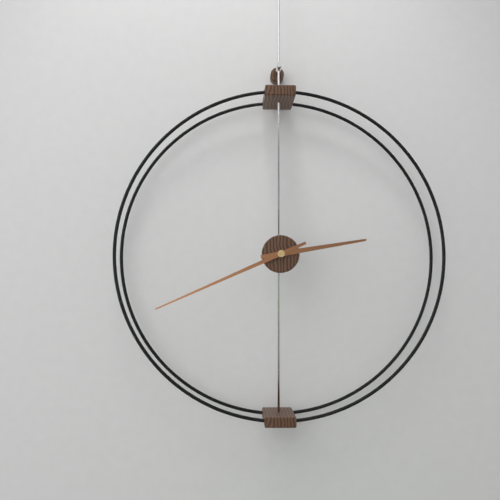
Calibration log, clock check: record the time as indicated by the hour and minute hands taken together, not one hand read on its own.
2:41
